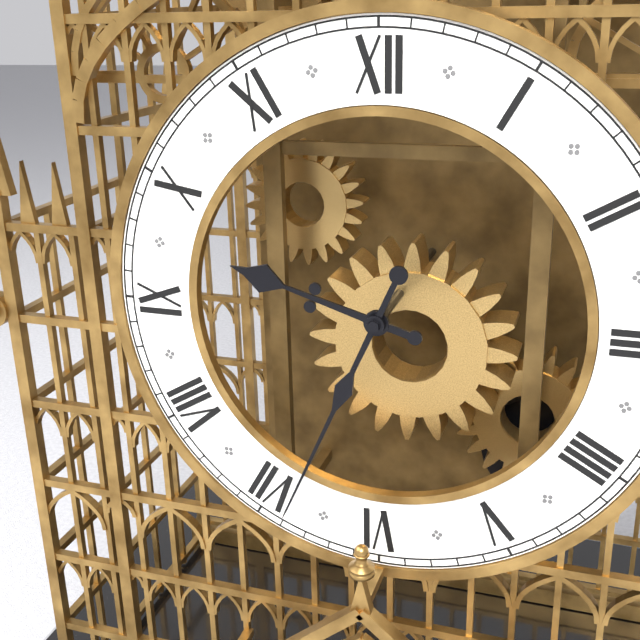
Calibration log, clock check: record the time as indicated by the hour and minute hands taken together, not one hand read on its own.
9:34
